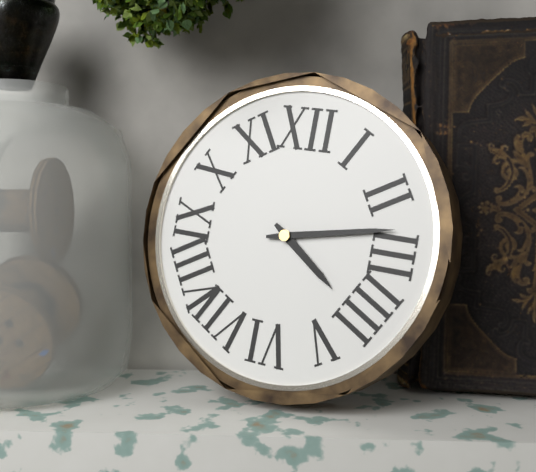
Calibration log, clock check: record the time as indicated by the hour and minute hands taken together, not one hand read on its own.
4:13
